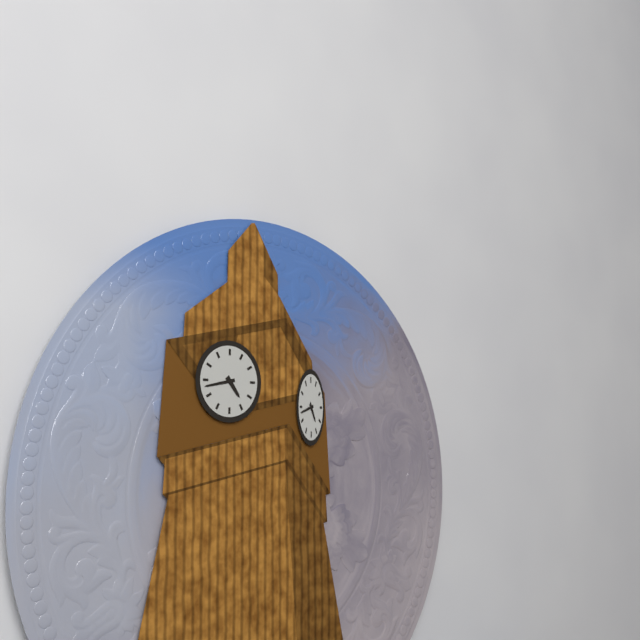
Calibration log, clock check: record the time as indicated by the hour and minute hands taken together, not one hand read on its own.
4:43
